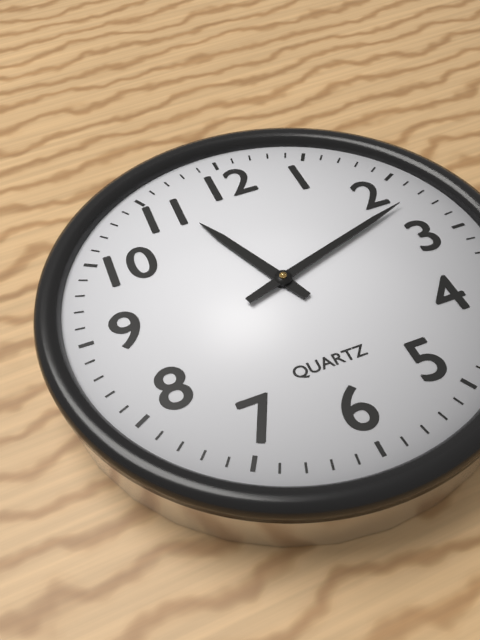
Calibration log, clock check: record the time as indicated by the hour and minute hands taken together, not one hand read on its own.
11:12
